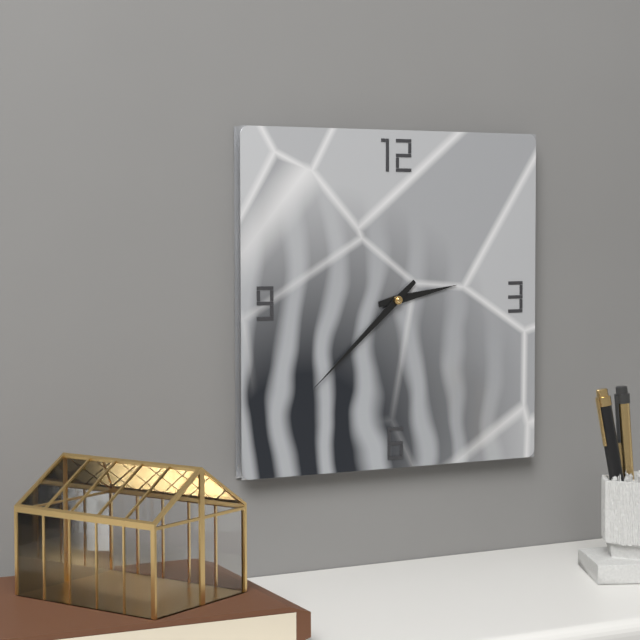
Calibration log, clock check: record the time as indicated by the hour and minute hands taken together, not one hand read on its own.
2:38
